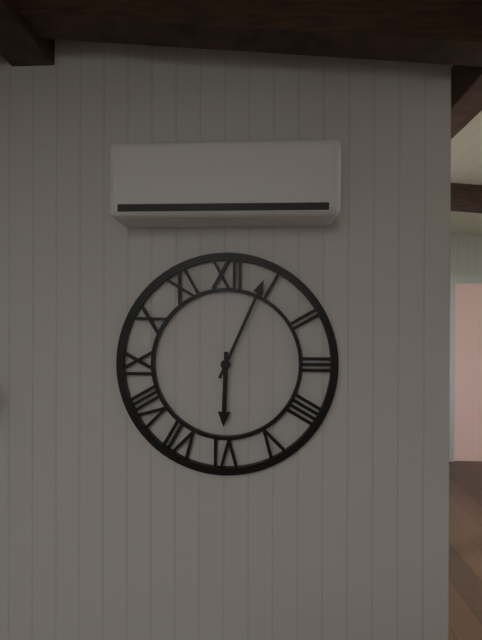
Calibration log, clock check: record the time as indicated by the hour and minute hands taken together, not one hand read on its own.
6:04
